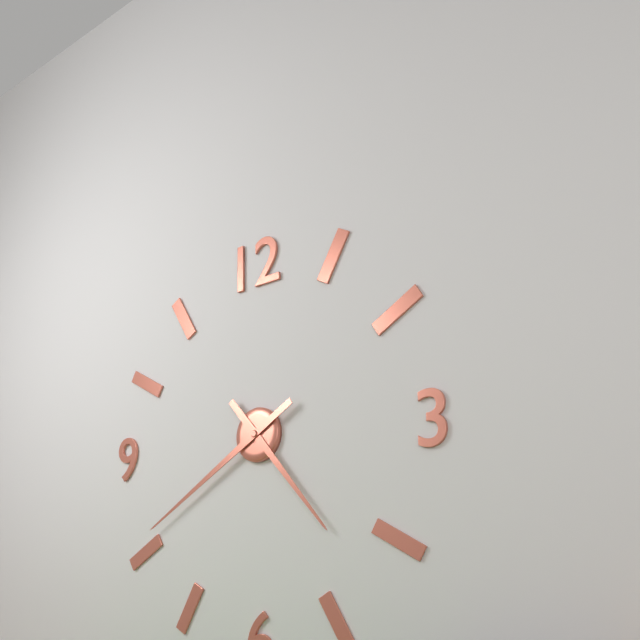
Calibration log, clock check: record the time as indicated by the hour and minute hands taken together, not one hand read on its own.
4:40
